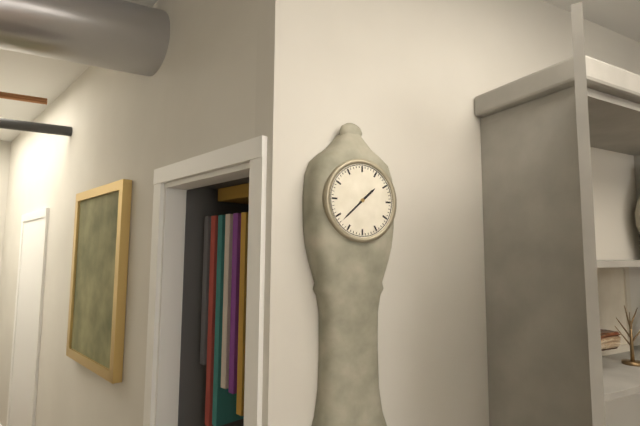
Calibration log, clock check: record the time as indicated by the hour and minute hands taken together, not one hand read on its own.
1:38
